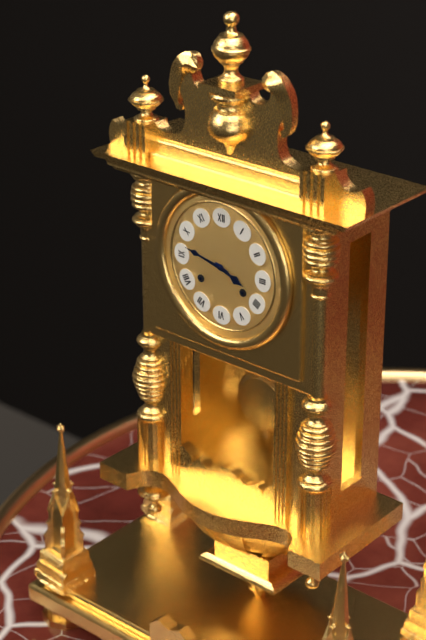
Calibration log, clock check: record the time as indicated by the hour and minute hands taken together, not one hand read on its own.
3:47
